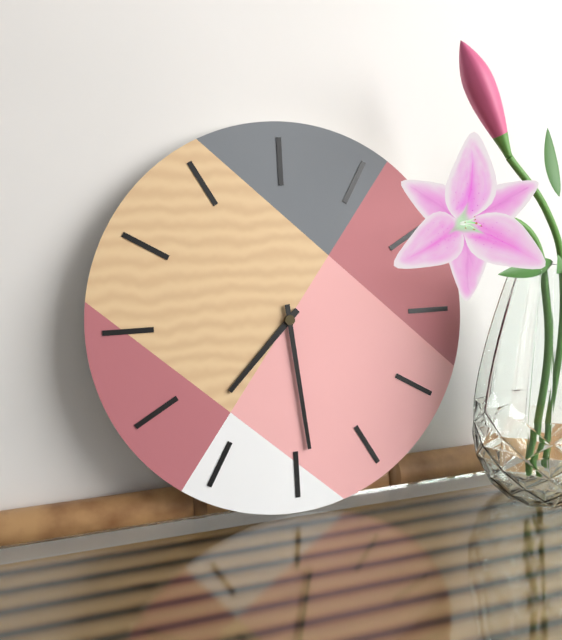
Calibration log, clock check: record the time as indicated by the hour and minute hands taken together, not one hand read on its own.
7:29
